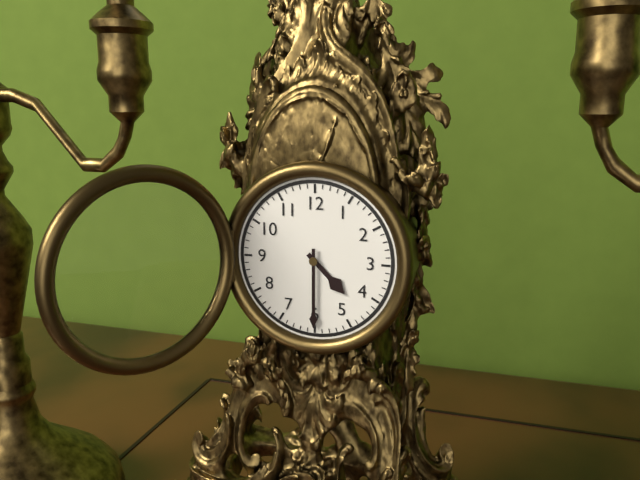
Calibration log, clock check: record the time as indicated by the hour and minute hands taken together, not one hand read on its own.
4:30
